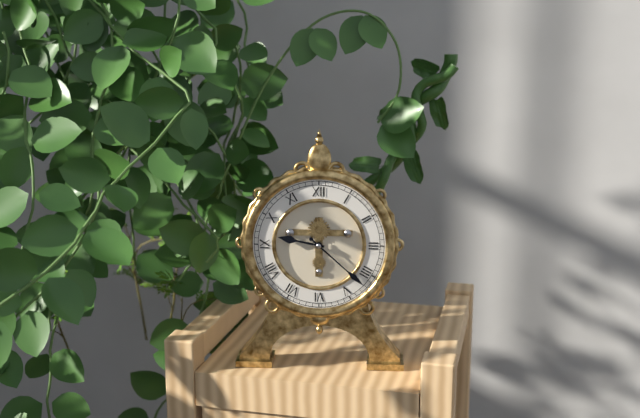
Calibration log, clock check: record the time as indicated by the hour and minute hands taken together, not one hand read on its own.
9:22
